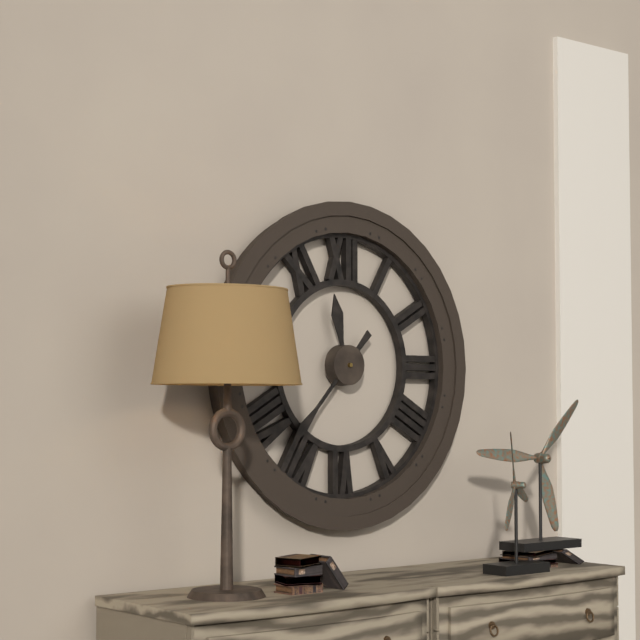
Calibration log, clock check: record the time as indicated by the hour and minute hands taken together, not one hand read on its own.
11:37
